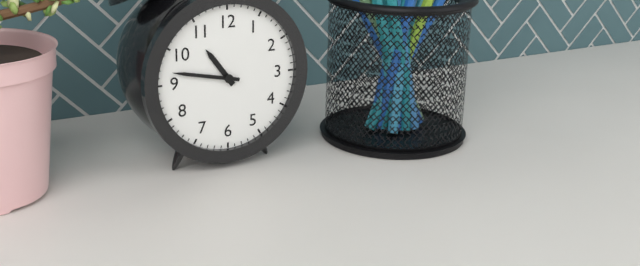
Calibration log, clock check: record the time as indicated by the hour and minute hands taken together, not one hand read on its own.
10:47
